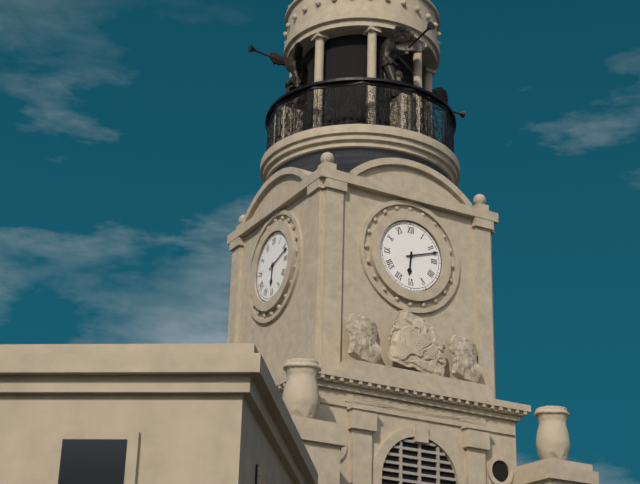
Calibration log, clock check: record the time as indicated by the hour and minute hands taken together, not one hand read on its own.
6:12
